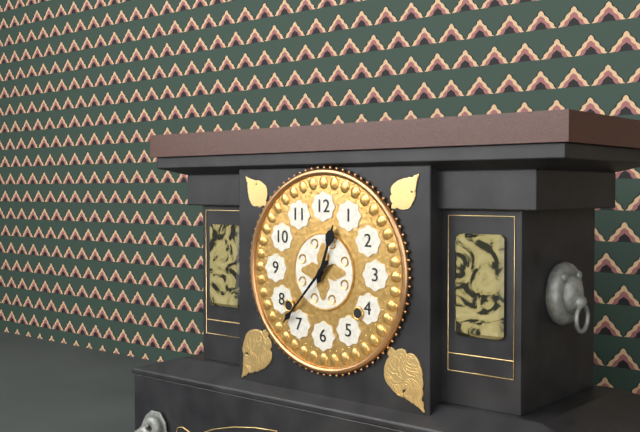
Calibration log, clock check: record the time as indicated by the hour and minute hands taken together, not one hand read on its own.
12:37
